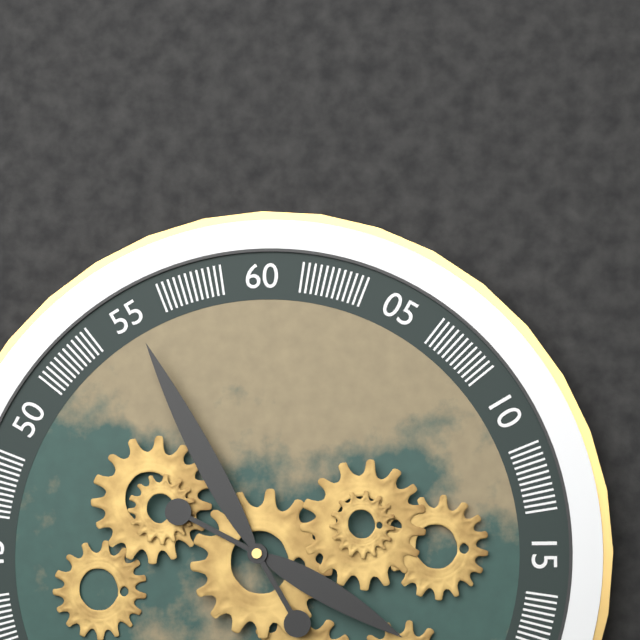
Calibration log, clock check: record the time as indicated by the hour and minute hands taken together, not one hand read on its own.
3:55
